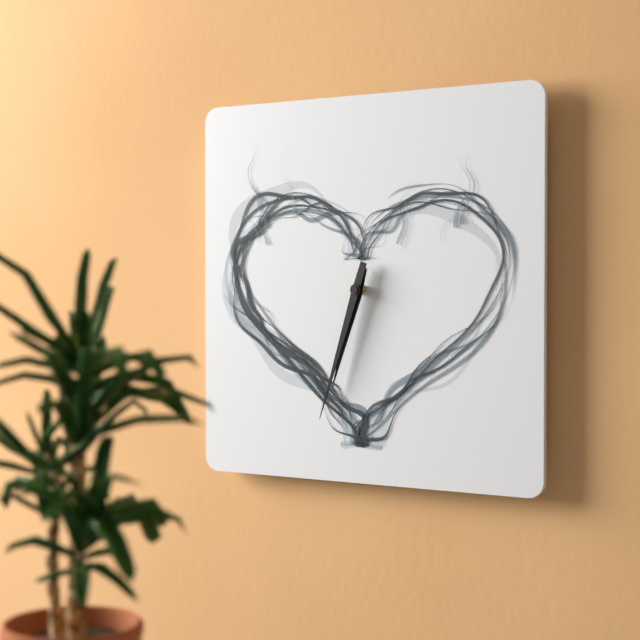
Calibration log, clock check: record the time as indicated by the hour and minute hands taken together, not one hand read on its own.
6:33
